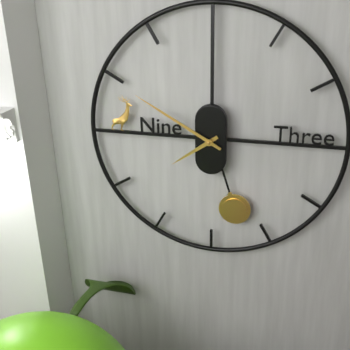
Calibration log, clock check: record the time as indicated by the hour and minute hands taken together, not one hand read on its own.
7:50
